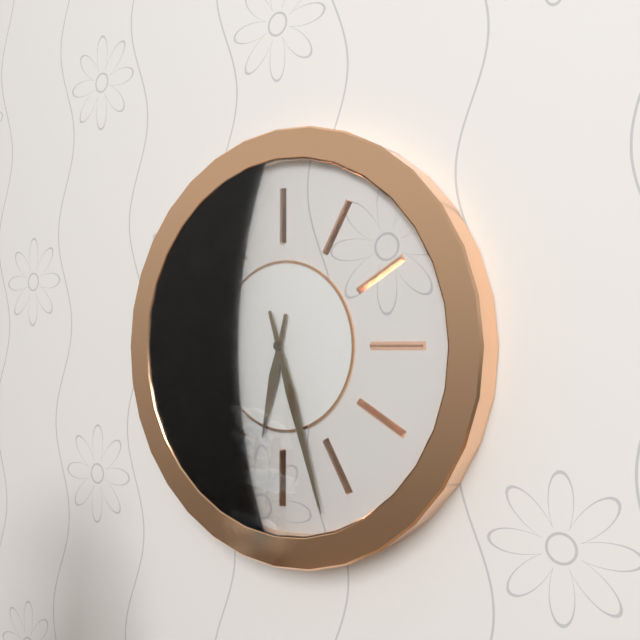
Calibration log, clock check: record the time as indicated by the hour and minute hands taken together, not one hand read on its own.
6:27
